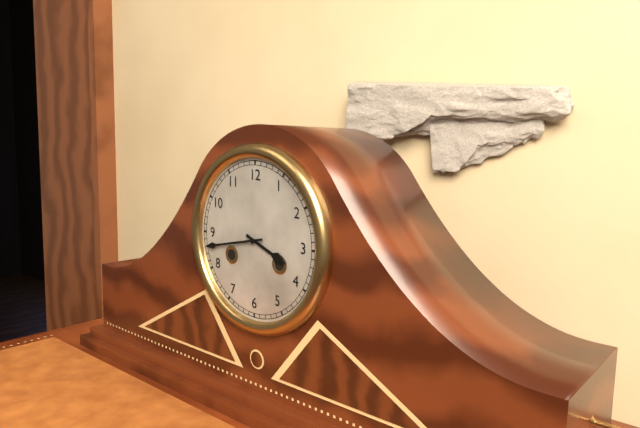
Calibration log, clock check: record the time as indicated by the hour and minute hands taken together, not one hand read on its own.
3:43
